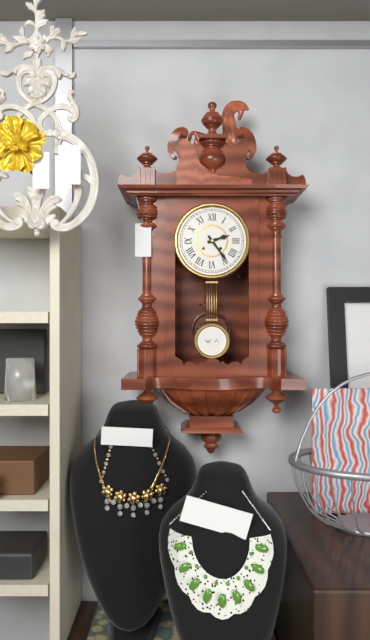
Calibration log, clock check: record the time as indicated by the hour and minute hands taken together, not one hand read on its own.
2:24
